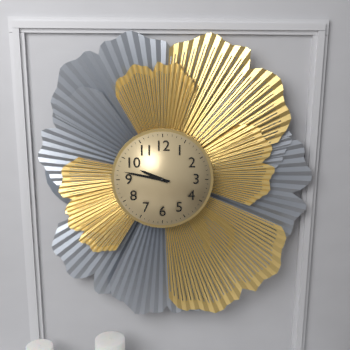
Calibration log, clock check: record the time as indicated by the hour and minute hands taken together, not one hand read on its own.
9:47
